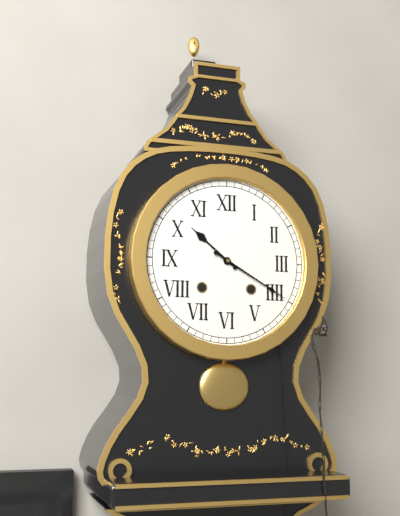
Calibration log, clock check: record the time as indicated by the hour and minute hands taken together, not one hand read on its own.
10:20
